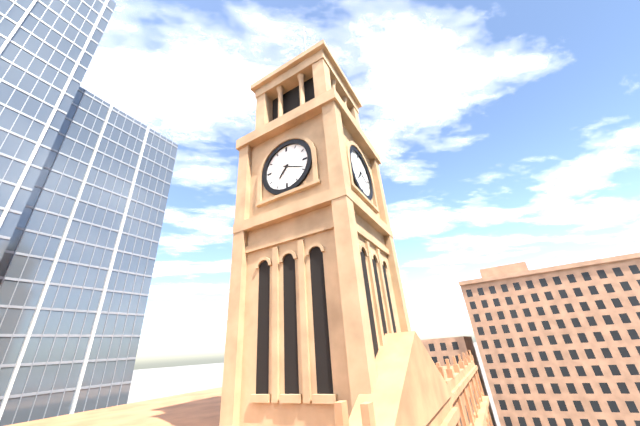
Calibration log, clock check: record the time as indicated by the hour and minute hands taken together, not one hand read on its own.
7:19
